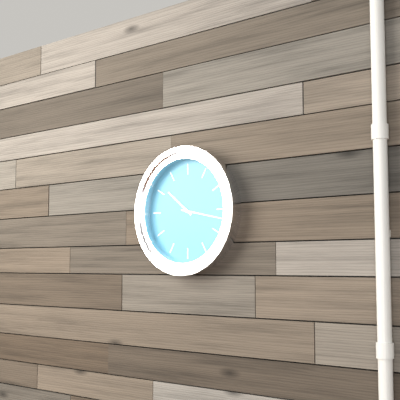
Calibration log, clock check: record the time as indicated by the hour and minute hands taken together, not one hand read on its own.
10:17
